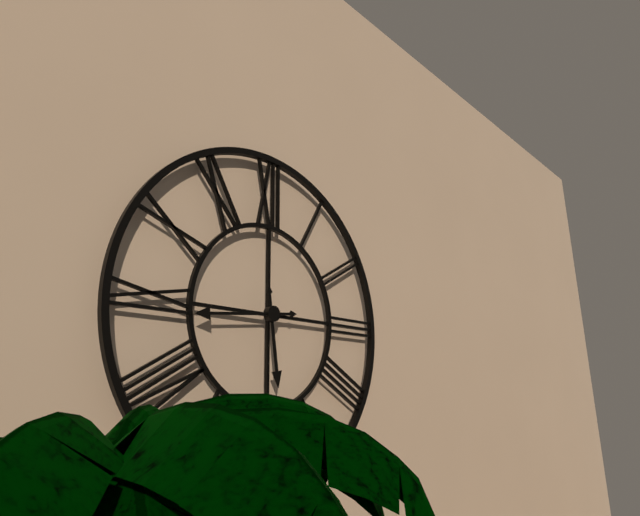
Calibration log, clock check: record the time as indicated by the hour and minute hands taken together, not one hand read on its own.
5:44
